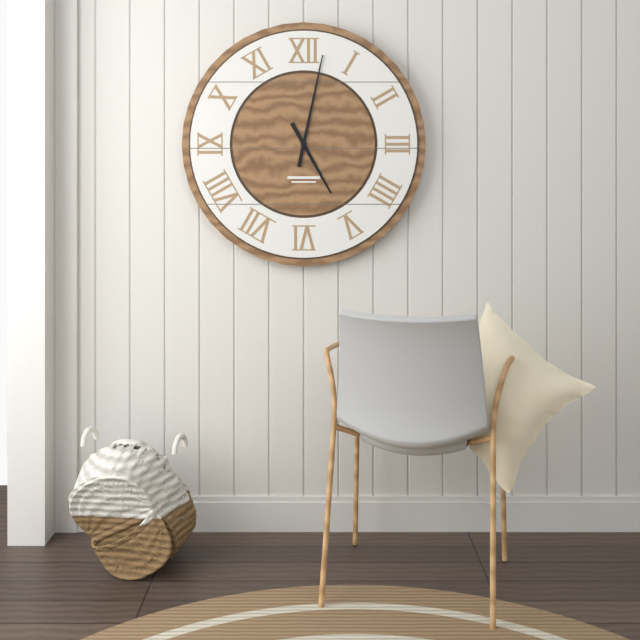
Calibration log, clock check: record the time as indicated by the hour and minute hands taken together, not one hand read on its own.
5:02
